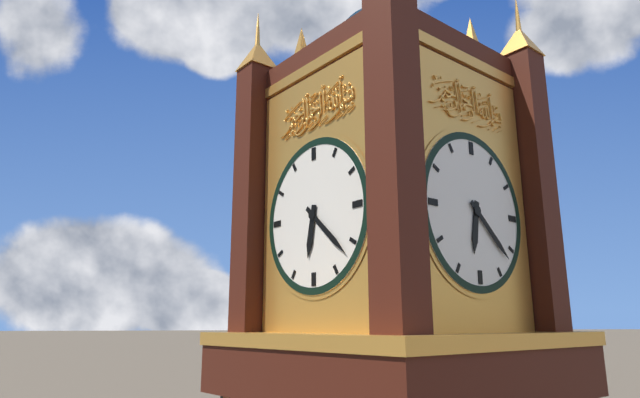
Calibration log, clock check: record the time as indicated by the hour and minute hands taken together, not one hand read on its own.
6:22
